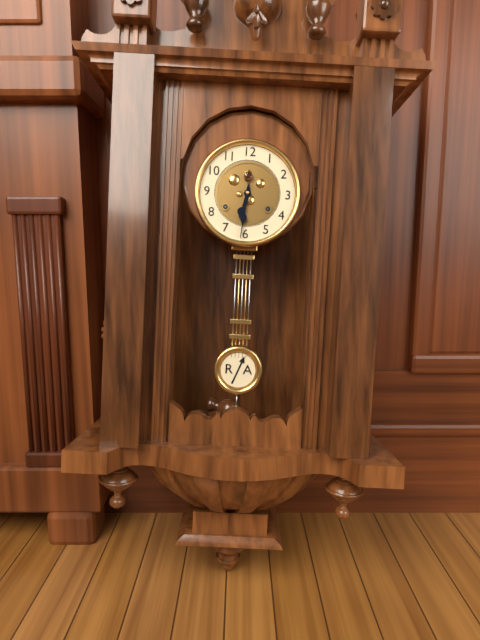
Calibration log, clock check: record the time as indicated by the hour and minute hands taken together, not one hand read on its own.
6:31
